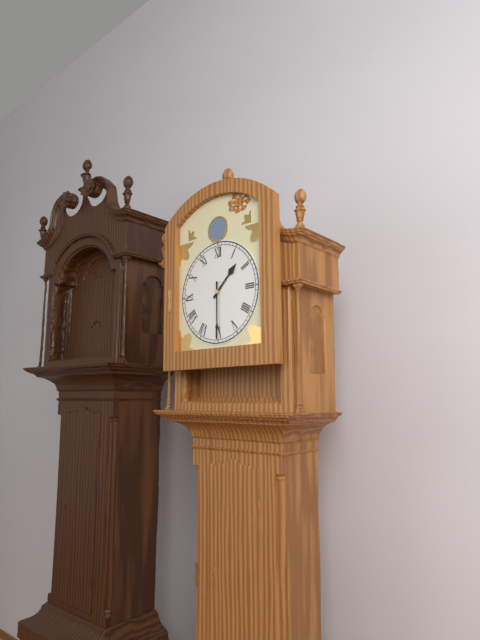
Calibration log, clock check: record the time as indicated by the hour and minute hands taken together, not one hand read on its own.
1:30
